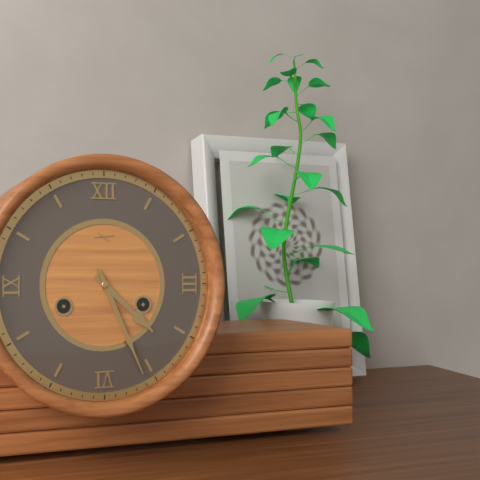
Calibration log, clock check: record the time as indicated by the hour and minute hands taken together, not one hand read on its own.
4:26
